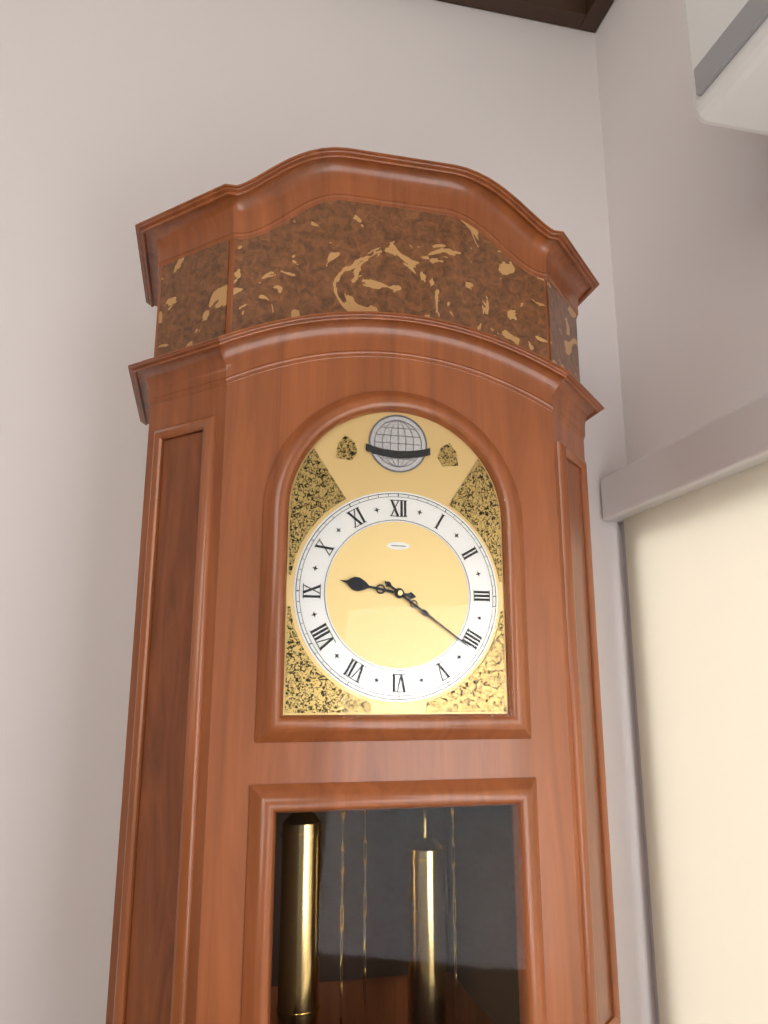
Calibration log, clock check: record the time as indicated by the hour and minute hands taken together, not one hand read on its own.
9:21
